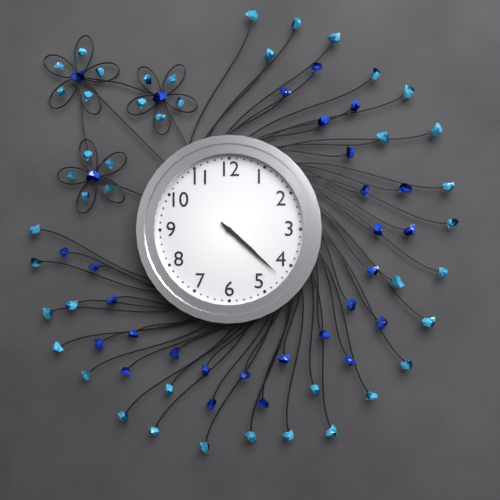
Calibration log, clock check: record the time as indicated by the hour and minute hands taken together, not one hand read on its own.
4:22
